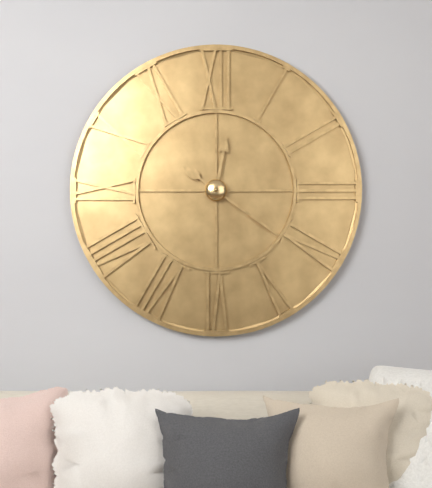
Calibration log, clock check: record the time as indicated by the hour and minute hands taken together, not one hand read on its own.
12:21
